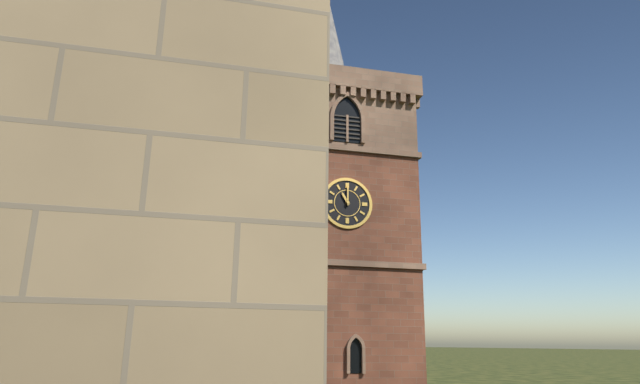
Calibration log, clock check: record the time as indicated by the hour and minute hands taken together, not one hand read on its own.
11:00
